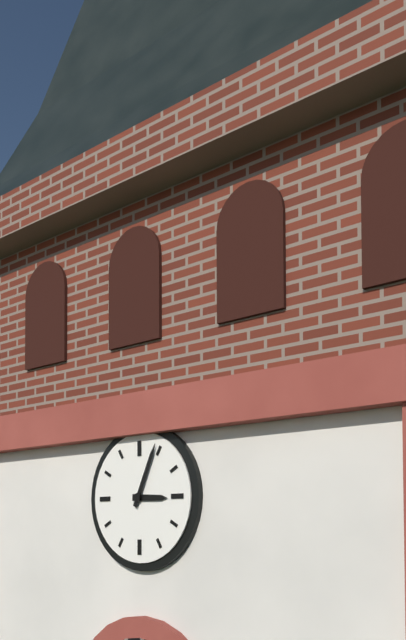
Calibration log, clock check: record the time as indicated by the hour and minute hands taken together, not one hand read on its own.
3:04
